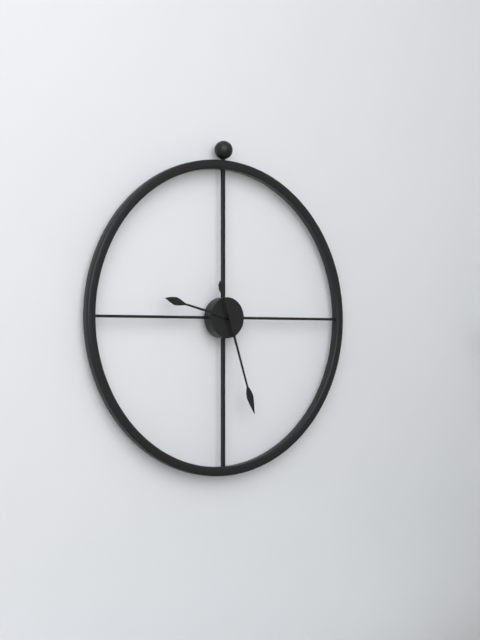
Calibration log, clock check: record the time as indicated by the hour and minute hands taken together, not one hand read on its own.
9:27
